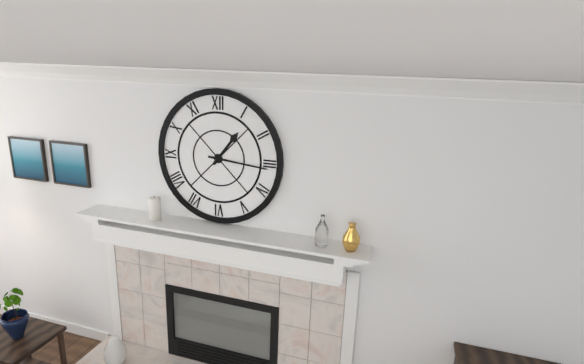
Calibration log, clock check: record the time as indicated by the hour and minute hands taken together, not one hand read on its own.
1:16
